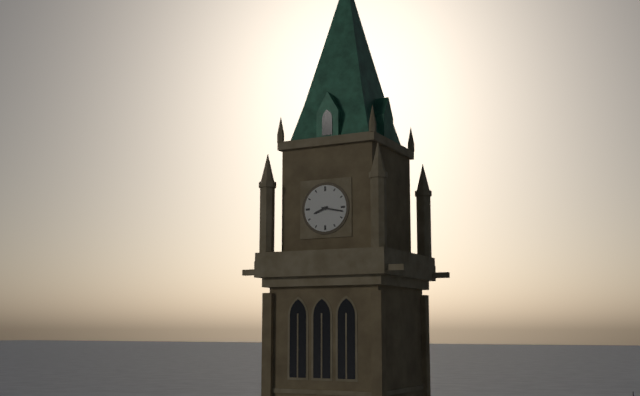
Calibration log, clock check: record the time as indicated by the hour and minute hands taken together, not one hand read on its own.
8:17
